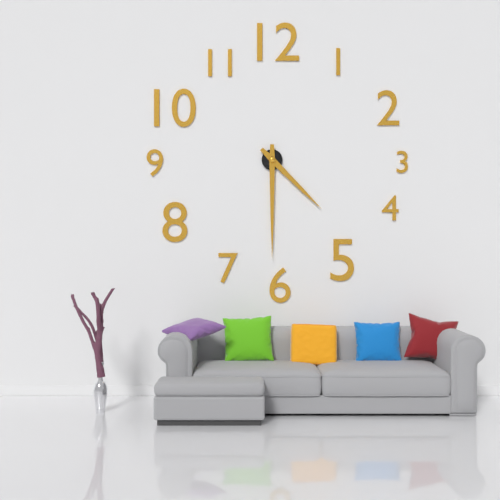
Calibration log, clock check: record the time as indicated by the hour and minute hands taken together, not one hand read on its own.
4:30
